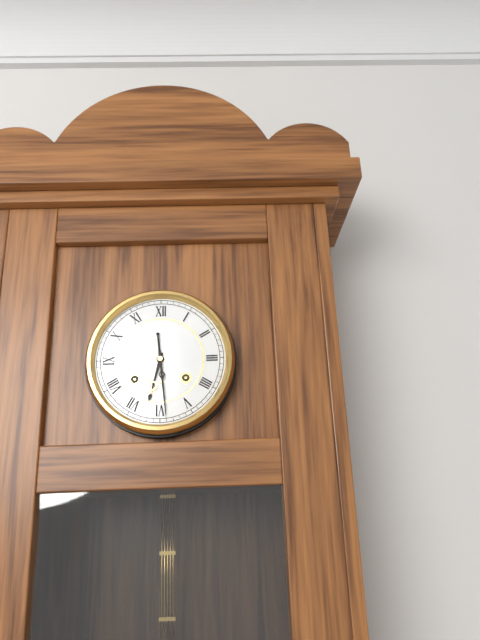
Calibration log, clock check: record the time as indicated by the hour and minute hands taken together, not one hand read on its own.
6:29
